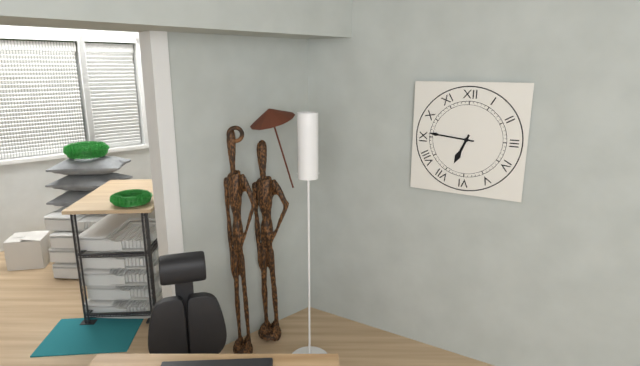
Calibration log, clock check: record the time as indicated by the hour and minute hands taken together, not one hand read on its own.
6:46
